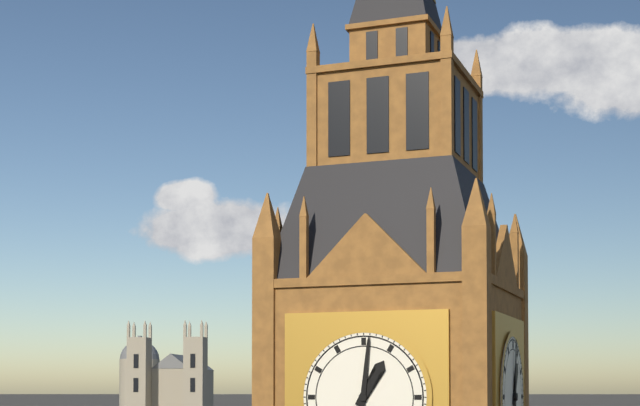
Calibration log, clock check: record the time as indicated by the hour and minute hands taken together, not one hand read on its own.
1:01
